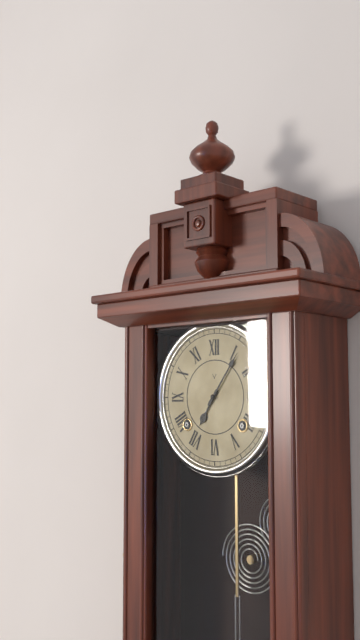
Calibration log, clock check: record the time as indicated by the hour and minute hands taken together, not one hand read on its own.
7:06
